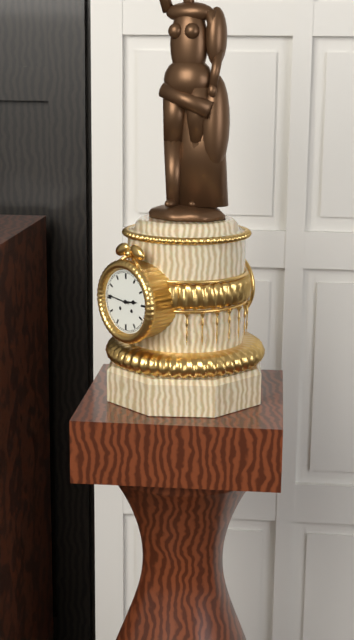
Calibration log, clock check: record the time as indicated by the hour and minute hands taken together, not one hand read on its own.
2:46
